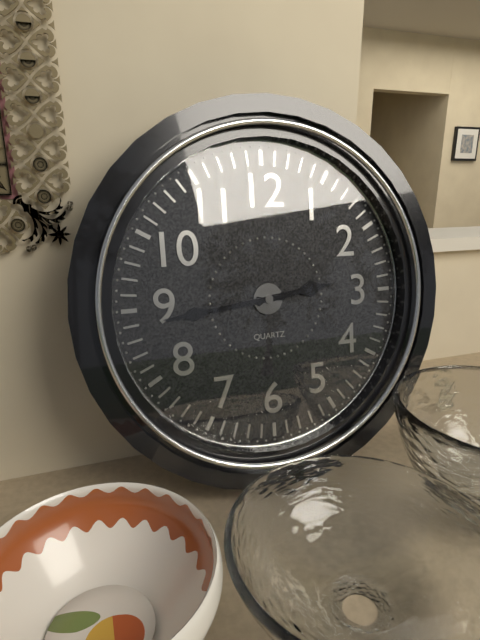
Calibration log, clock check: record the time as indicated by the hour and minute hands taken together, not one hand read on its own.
2:44
